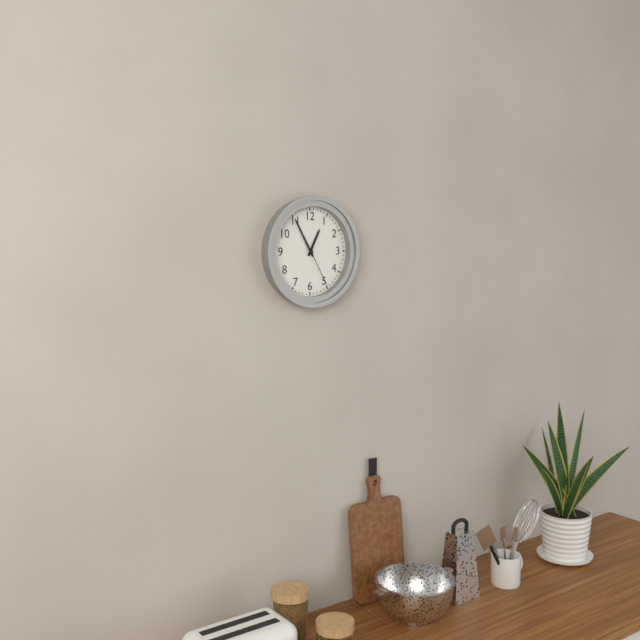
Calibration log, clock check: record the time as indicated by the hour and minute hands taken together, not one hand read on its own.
12:55
